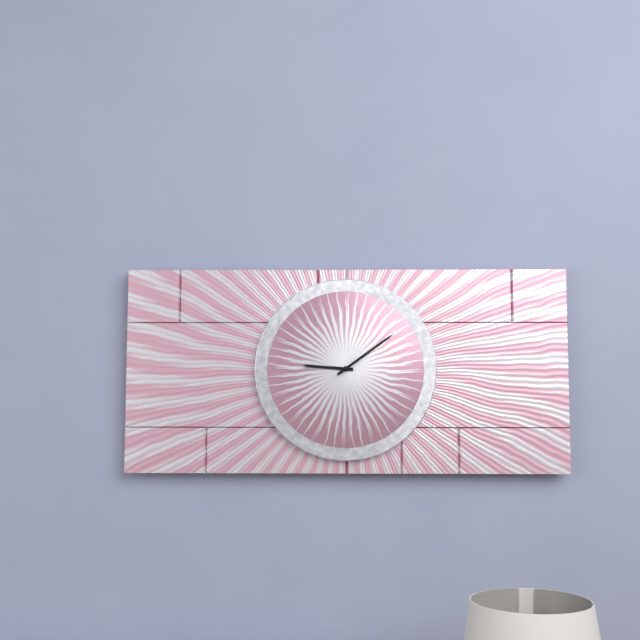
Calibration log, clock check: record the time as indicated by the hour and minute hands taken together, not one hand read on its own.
9:09
